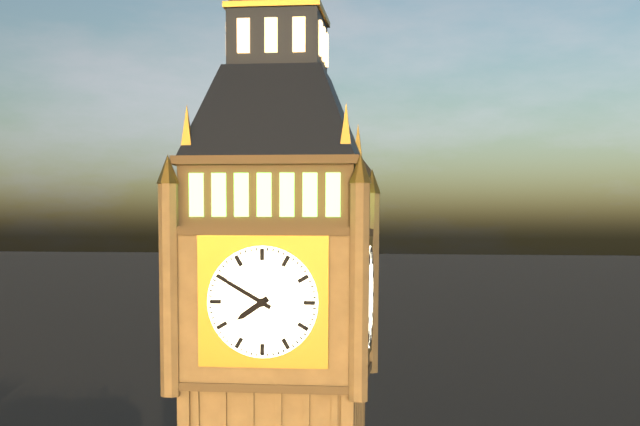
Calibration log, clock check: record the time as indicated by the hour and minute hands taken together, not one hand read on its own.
7:50
